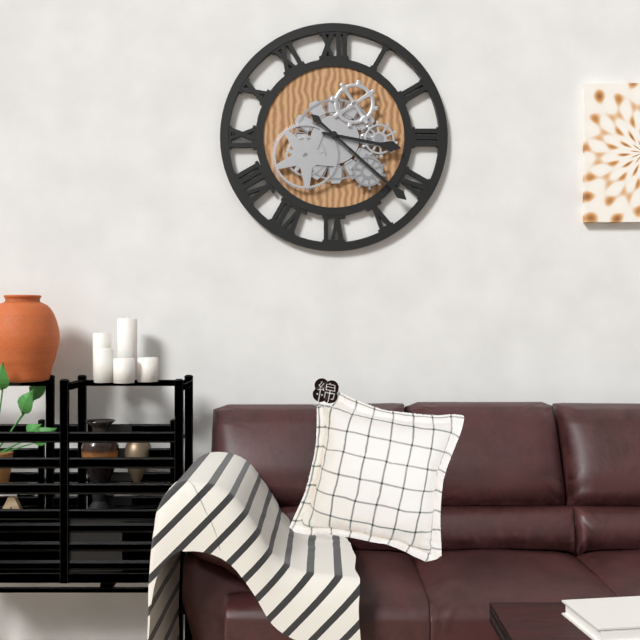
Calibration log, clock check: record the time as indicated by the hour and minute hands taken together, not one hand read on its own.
3:22
